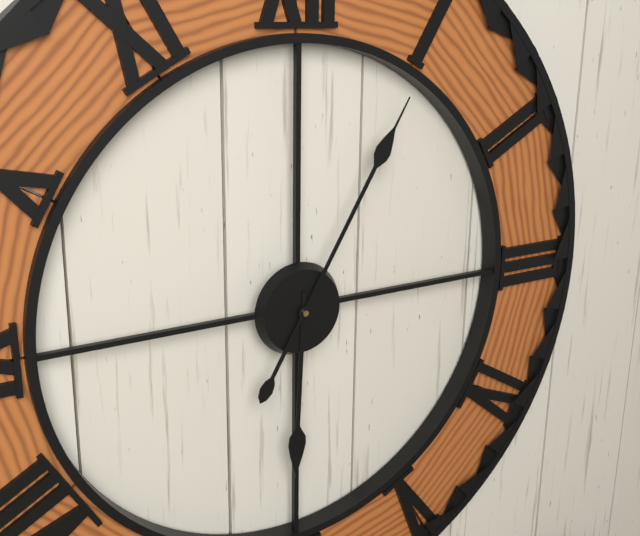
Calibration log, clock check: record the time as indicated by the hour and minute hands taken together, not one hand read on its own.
6:05
